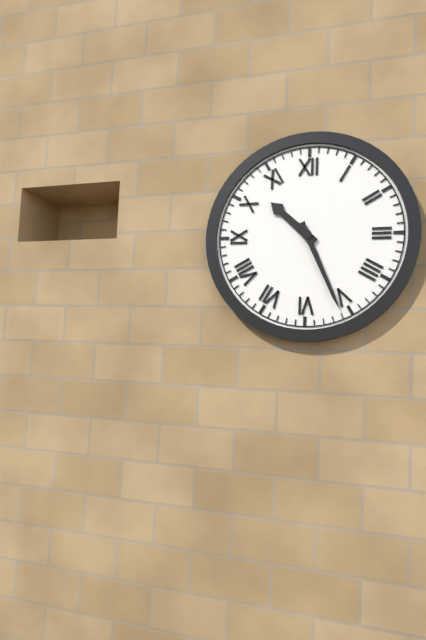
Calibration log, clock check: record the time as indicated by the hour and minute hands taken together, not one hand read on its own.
10:26
